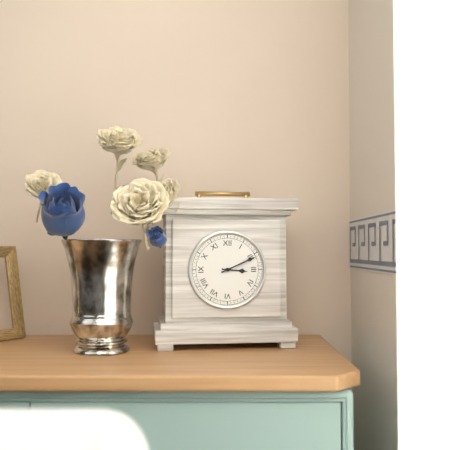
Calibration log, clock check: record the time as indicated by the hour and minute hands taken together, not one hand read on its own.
3:11
